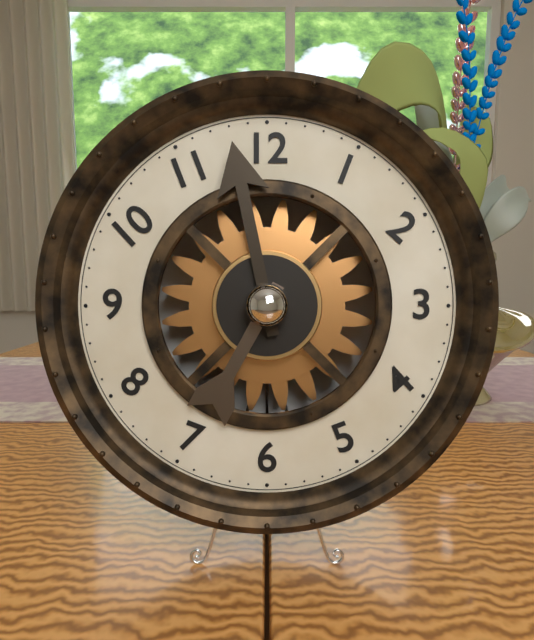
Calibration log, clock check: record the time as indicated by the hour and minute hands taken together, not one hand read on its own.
6:58
